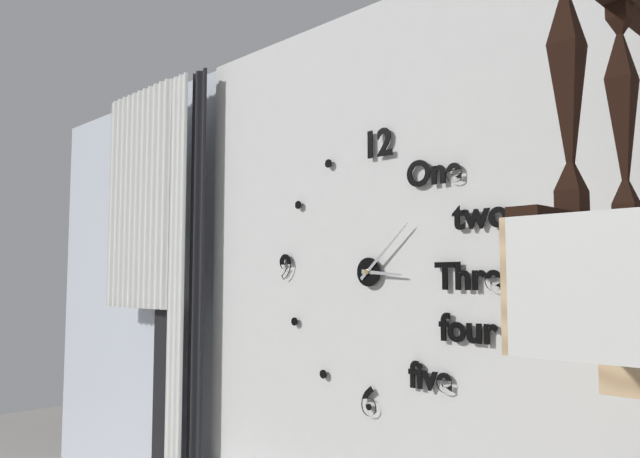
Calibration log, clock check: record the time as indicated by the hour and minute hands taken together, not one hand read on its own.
3:08
